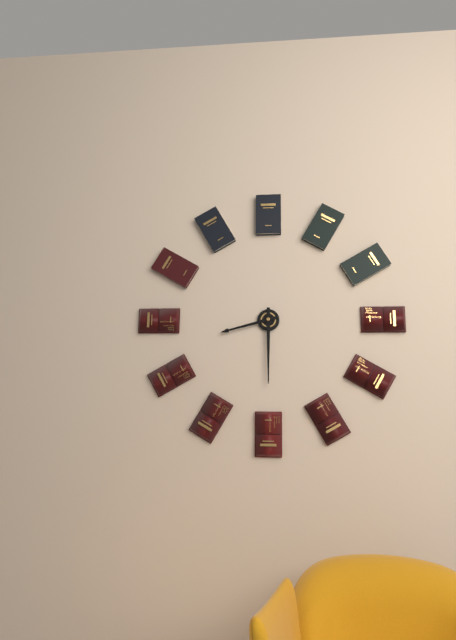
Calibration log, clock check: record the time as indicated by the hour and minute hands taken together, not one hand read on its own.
8:30
